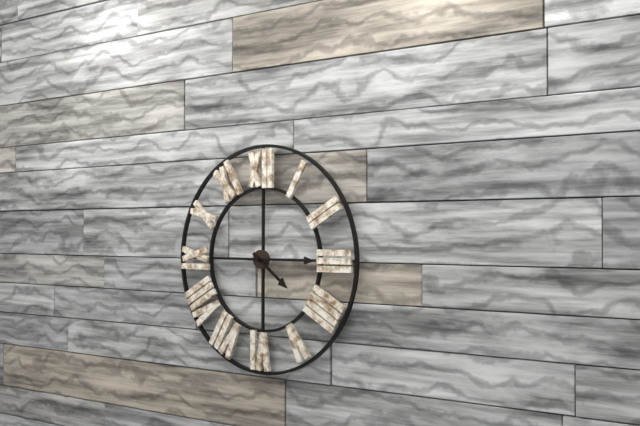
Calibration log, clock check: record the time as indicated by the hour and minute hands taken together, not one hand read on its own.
4:15
